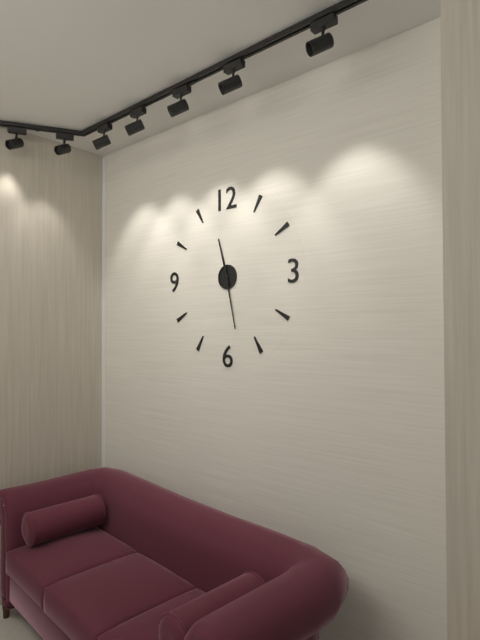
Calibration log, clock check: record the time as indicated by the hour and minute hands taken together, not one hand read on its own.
11:28
